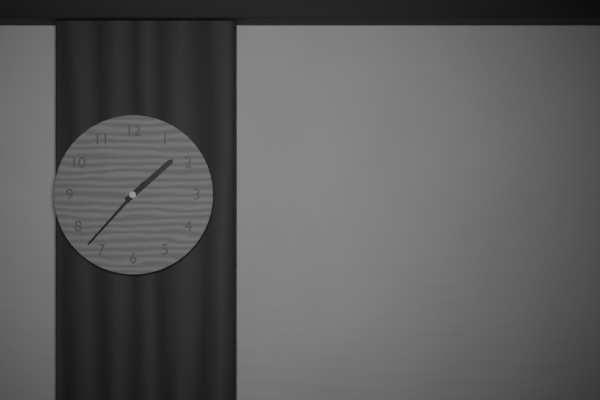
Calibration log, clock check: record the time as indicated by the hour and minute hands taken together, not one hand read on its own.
1:37
